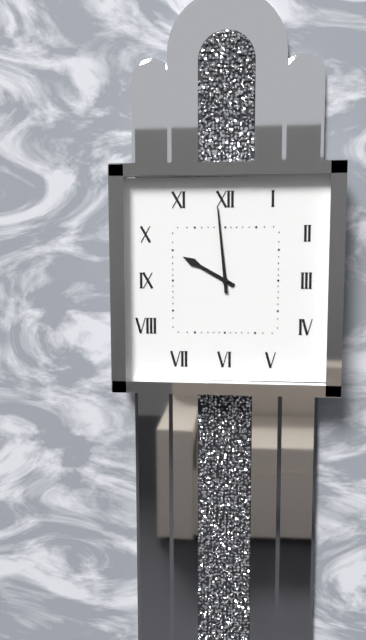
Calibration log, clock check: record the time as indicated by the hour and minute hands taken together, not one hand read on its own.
9:59
